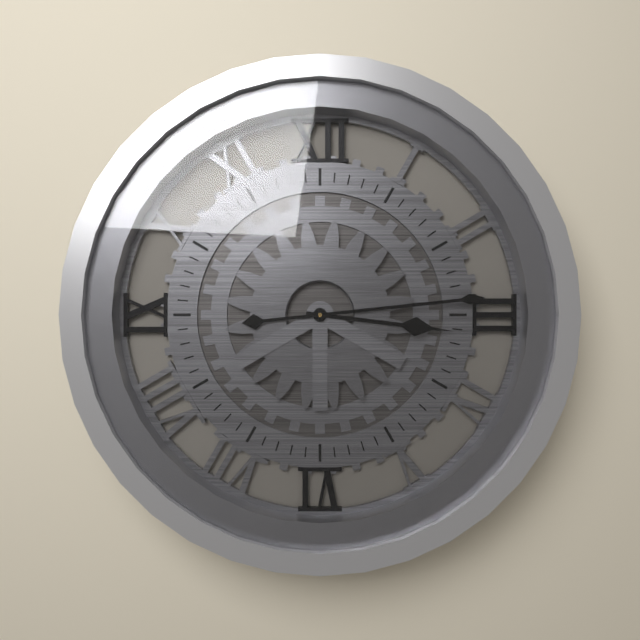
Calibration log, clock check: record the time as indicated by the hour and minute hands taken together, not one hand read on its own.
3:14
